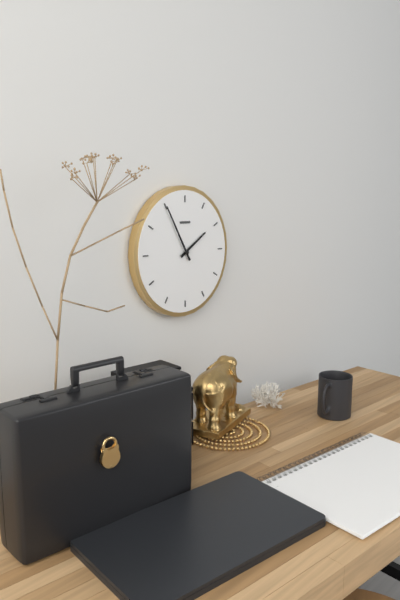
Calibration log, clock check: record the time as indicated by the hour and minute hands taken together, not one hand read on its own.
1:55
